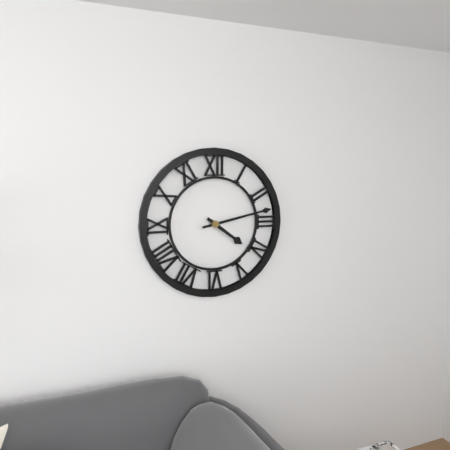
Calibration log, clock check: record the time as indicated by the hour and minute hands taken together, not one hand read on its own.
4:13
